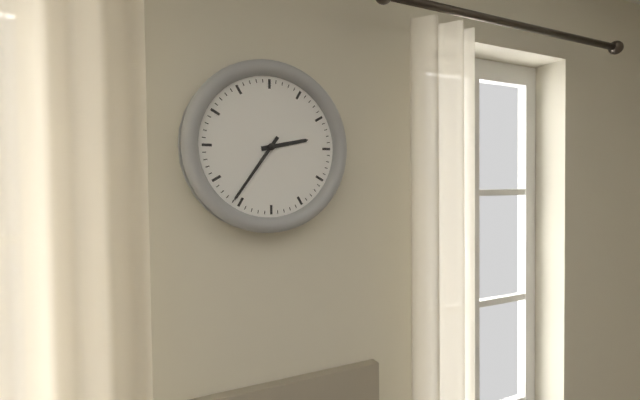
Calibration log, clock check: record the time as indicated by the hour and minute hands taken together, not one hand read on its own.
2:36
